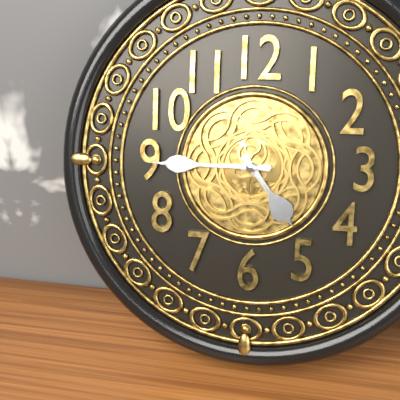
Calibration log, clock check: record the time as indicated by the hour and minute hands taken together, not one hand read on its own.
4:45
